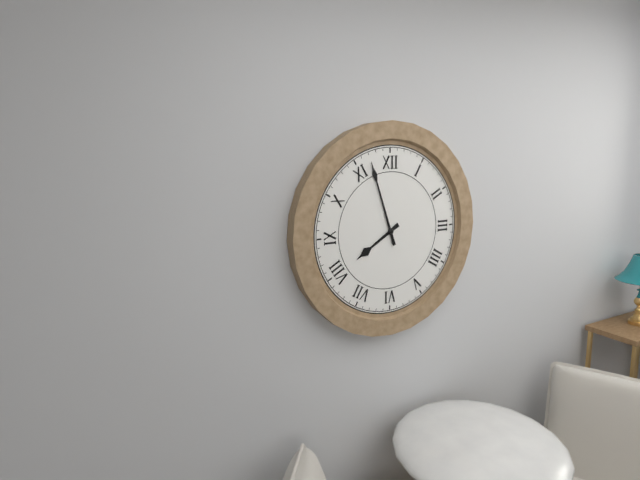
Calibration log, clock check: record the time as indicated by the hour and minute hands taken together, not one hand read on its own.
7:57
